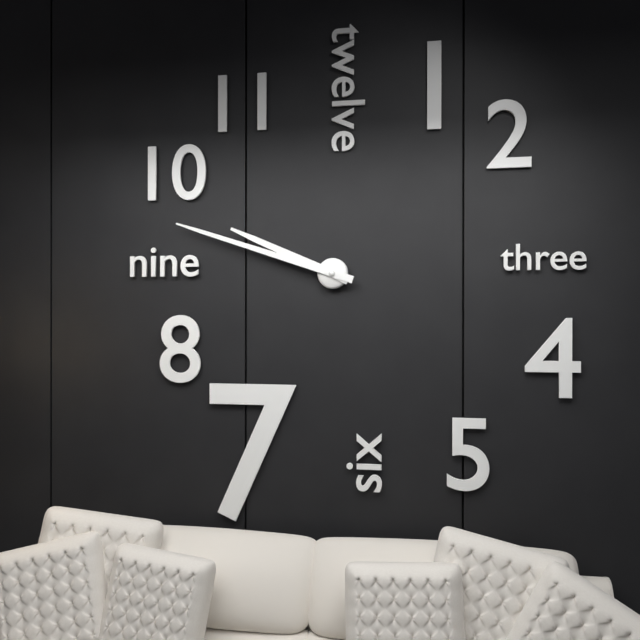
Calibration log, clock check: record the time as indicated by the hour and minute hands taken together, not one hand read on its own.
9:48
